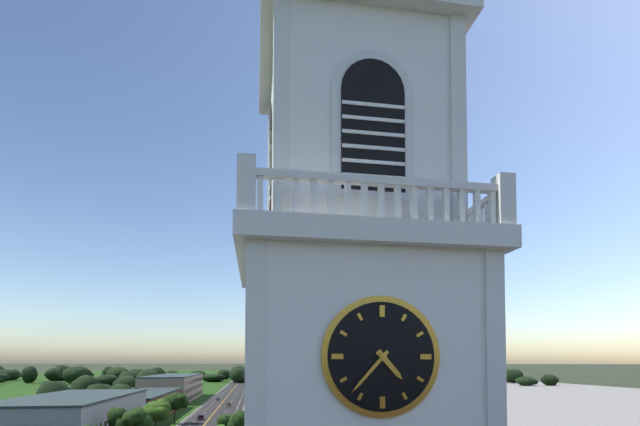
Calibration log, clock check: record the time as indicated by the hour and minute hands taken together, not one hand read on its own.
4:37
